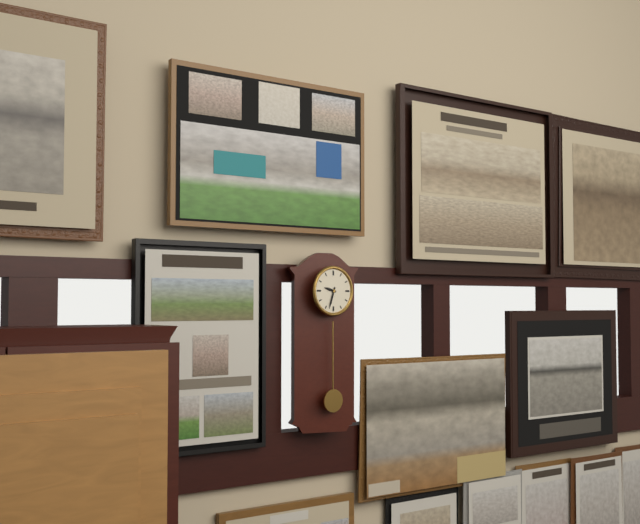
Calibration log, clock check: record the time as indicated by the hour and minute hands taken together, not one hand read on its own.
9:33
